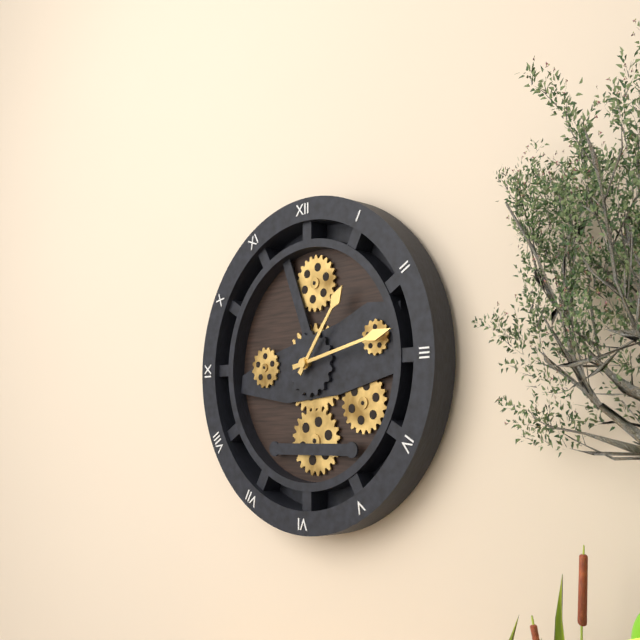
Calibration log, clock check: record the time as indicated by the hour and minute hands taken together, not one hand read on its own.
1:13
